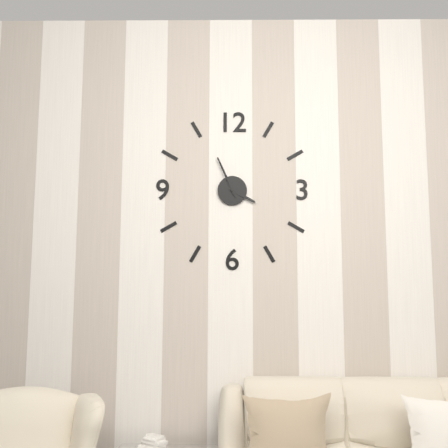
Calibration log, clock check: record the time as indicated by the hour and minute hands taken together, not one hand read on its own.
3:56
